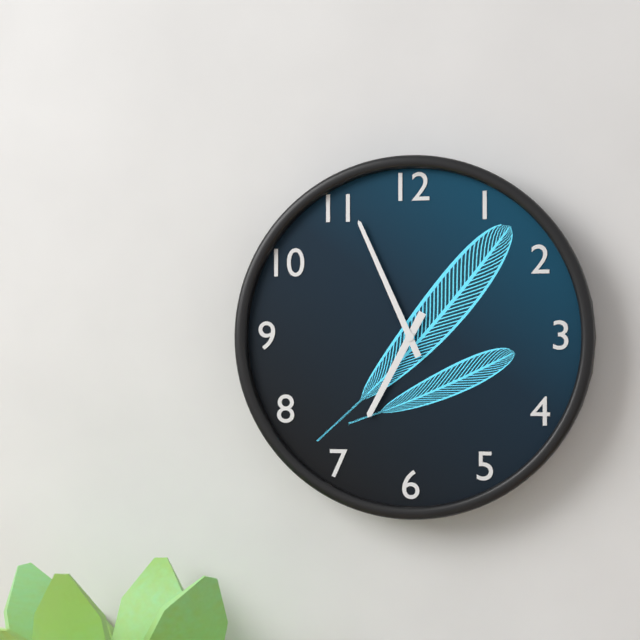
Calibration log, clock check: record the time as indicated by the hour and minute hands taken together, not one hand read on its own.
6:56
